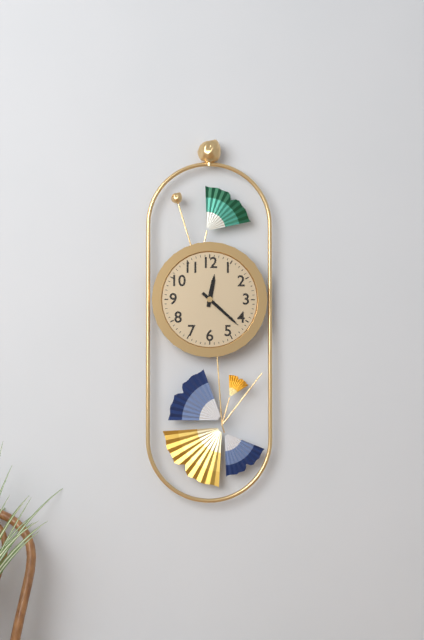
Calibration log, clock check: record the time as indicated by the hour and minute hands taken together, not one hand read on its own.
12:22
